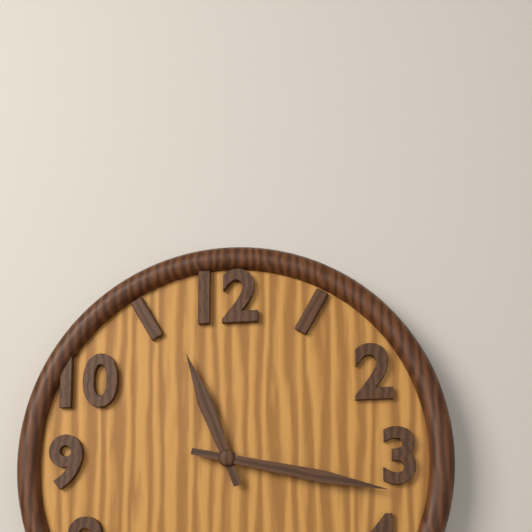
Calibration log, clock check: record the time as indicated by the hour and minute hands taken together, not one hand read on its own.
11:17
